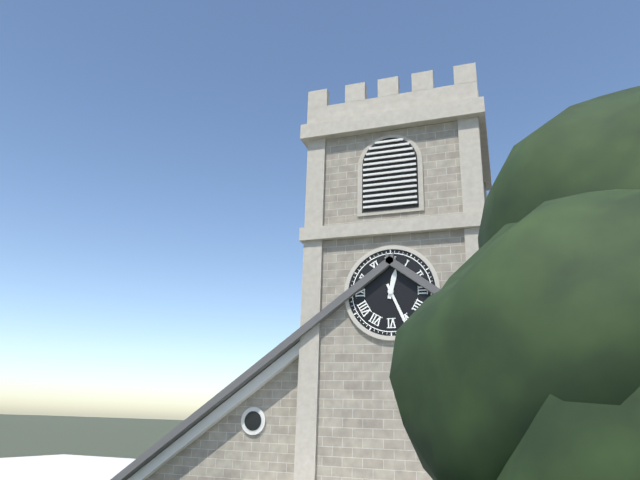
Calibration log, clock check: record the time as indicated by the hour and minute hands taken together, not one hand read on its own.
12:26
